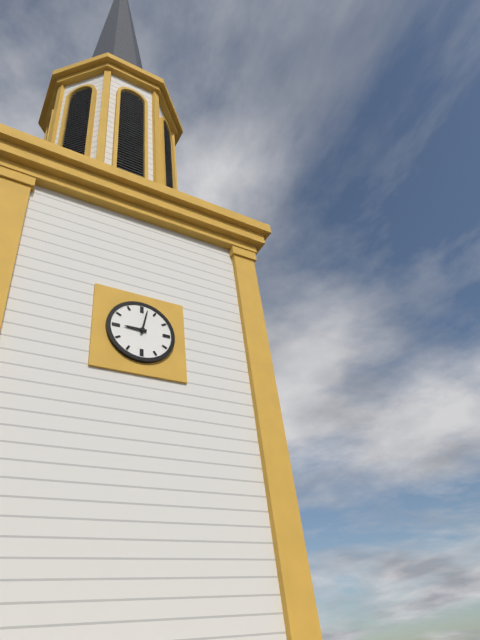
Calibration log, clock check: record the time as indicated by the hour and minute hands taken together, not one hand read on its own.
9:02
